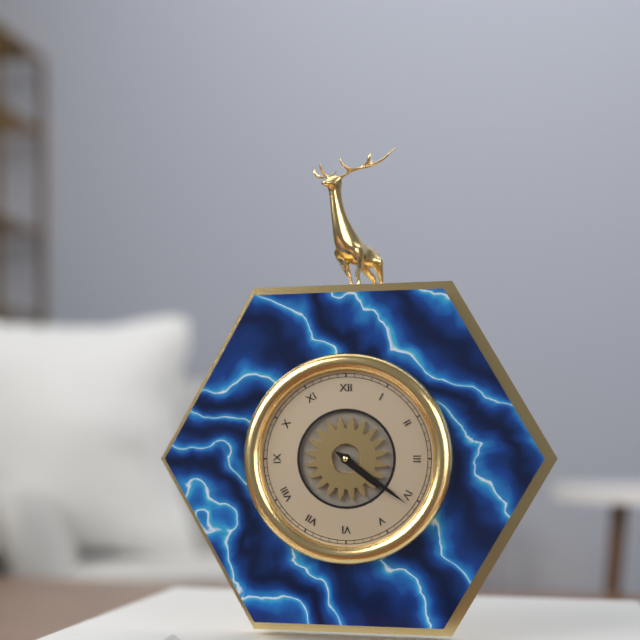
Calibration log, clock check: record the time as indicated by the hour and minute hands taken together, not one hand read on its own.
4:21
